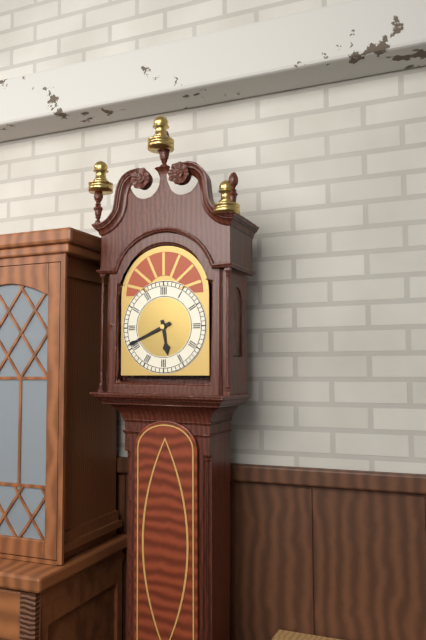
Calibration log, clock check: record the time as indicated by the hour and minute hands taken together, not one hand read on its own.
5:41
